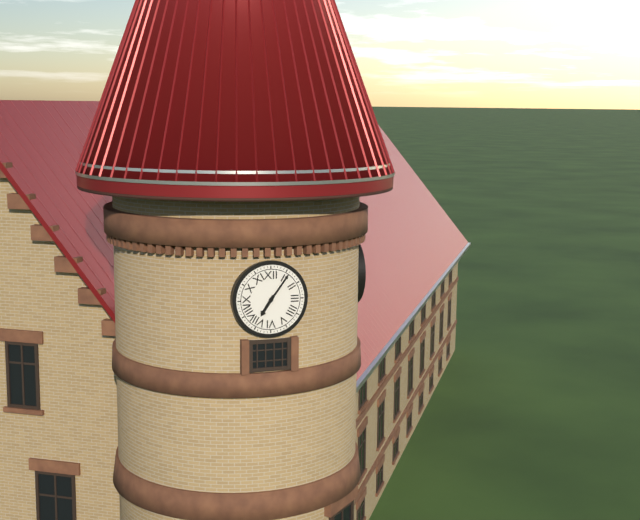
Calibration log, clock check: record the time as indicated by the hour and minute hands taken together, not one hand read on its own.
7:06
